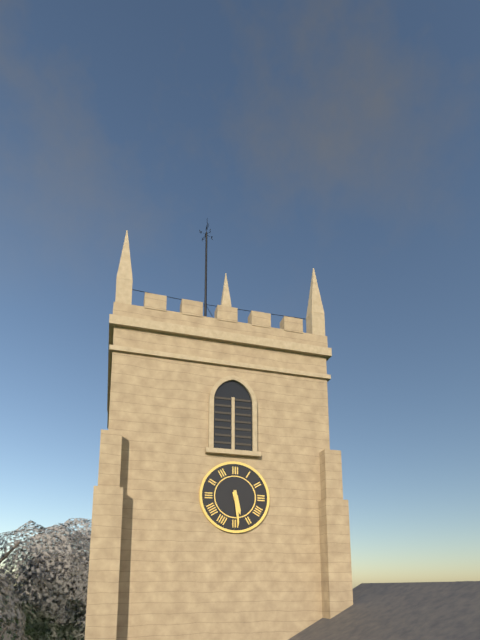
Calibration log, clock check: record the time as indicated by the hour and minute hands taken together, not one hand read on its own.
5:29
